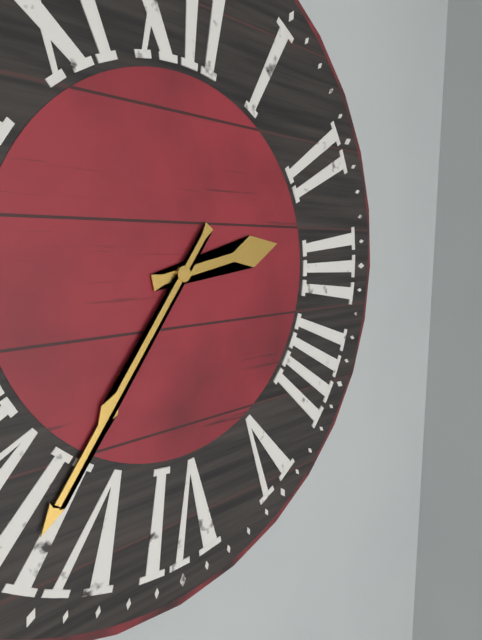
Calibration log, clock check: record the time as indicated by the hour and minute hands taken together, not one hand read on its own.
2:36
